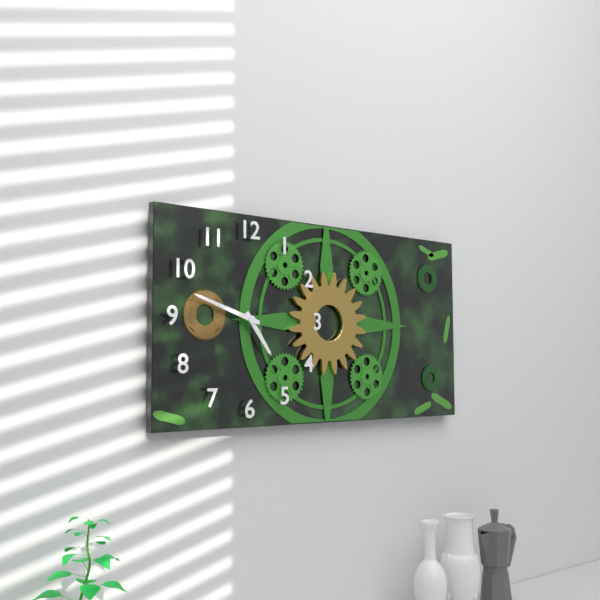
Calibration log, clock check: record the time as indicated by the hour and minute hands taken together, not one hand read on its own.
4:48
